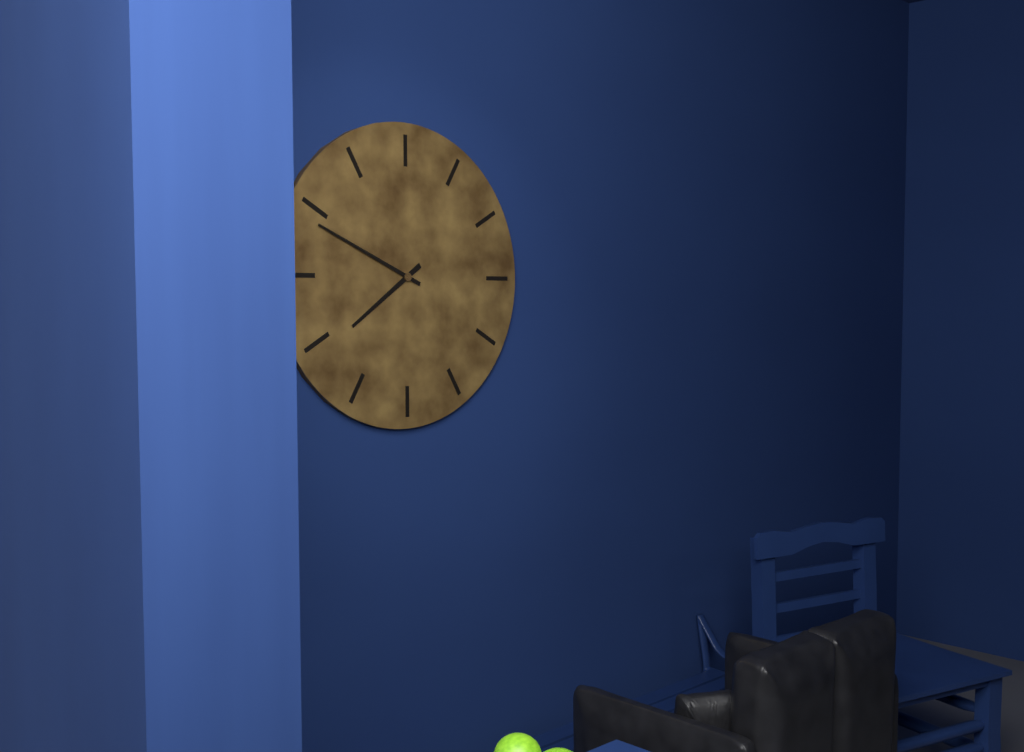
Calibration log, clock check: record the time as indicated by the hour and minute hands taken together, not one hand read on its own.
7:49
